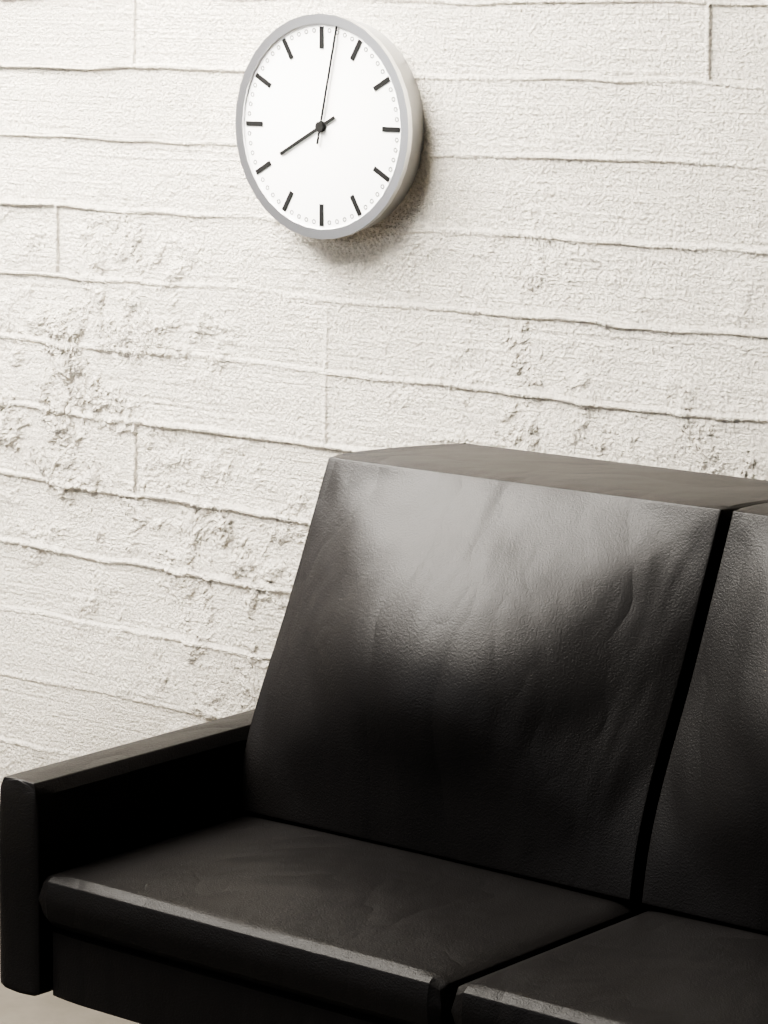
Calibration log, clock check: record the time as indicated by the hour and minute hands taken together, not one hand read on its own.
8:02
